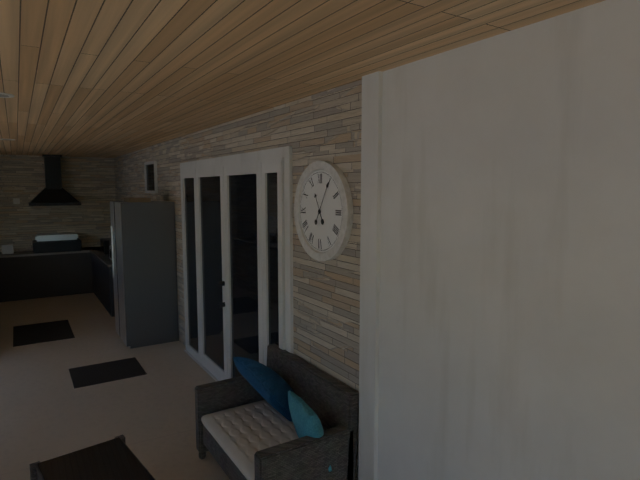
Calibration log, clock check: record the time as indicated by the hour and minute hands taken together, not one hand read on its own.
11:05
